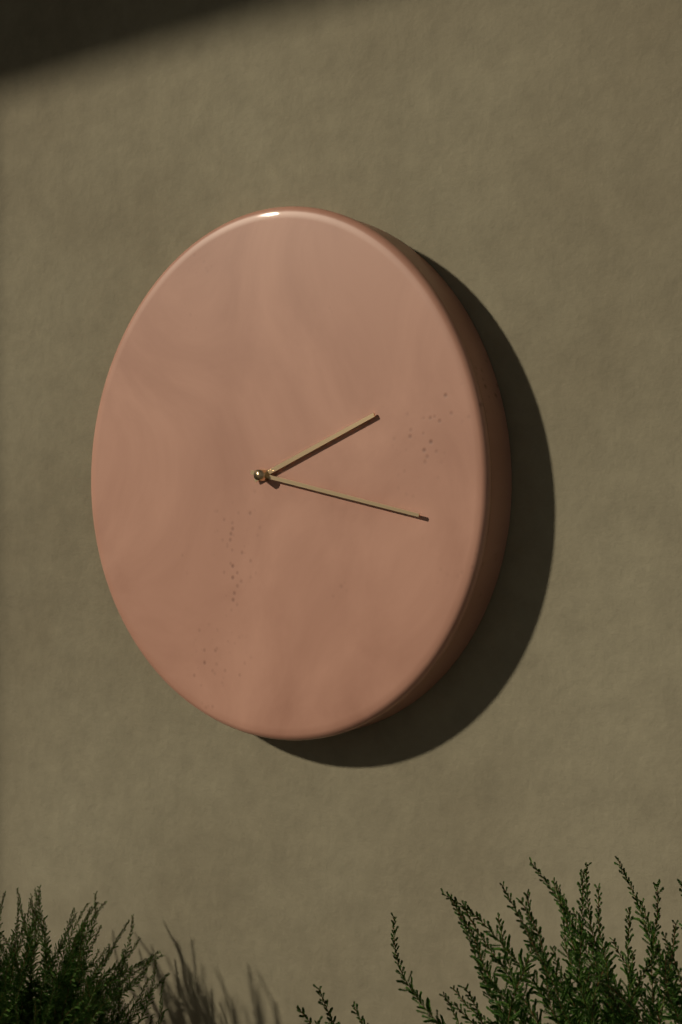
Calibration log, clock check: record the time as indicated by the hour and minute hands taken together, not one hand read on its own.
2:17
